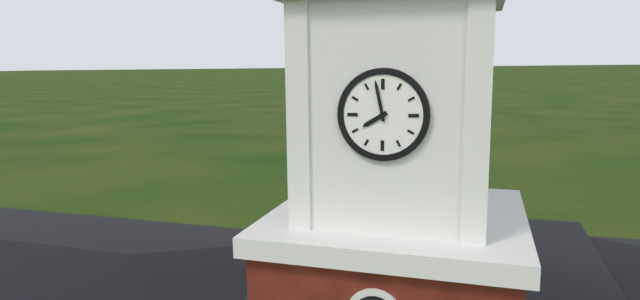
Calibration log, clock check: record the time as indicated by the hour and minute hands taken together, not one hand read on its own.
7:58
